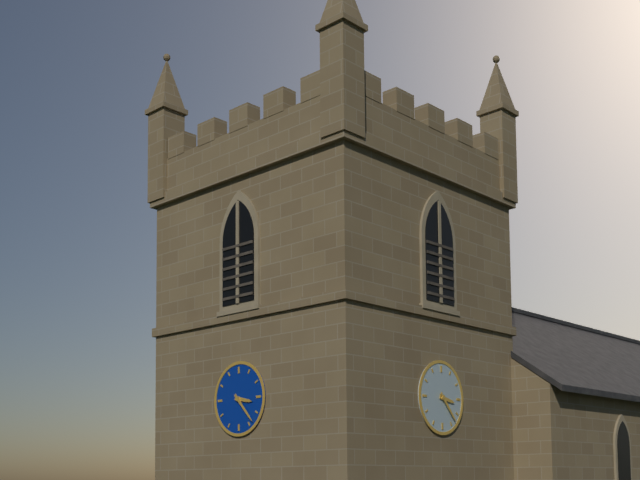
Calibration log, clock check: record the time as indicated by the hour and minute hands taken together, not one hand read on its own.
3:23
